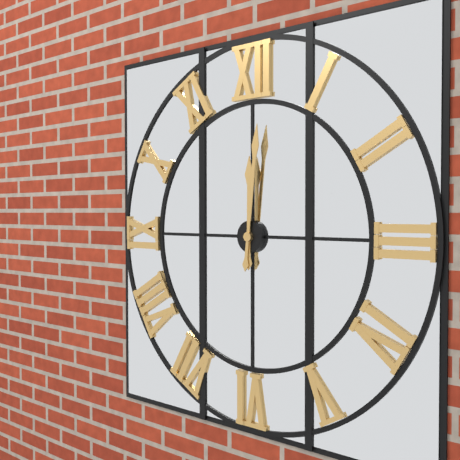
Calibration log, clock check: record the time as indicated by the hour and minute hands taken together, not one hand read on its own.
12:01
